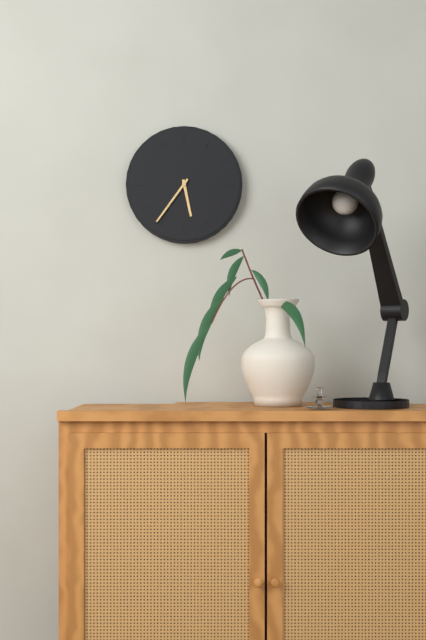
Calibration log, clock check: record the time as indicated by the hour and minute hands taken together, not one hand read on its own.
5:36
